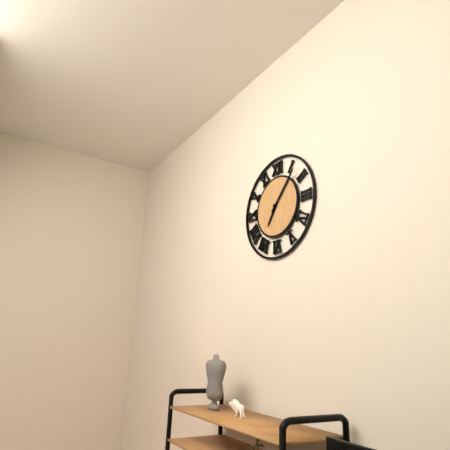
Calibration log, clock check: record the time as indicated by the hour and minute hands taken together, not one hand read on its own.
7:07
